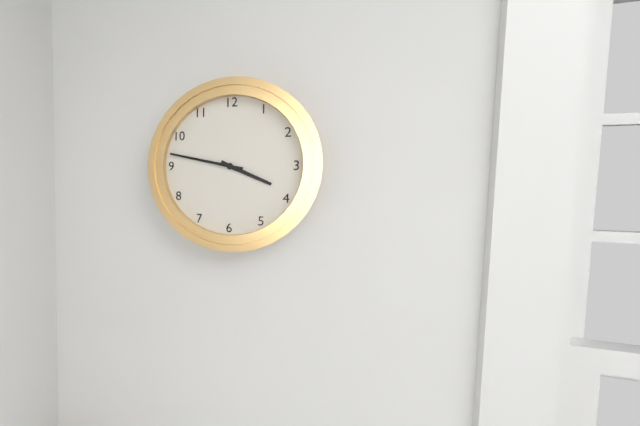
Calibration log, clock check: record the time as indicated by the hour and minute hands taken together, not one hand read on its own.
3:47
